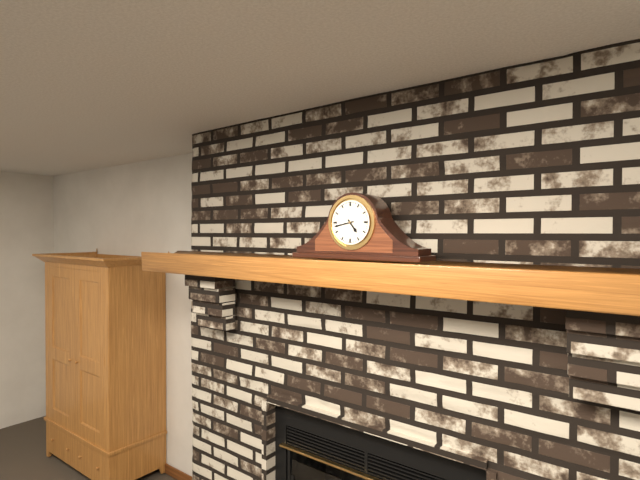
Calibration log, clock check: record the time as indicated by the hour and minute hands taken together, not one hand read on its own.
4:43
